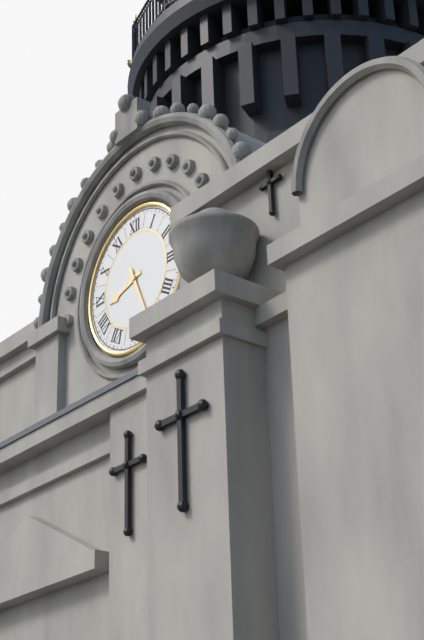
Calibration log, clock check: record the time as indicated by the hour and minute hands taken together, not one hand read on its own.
8:26
